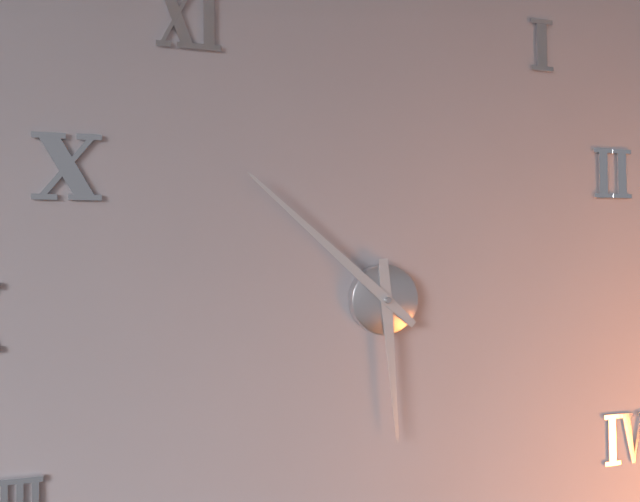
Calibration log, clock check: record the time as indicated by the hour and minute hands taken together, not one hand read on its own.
5:52
